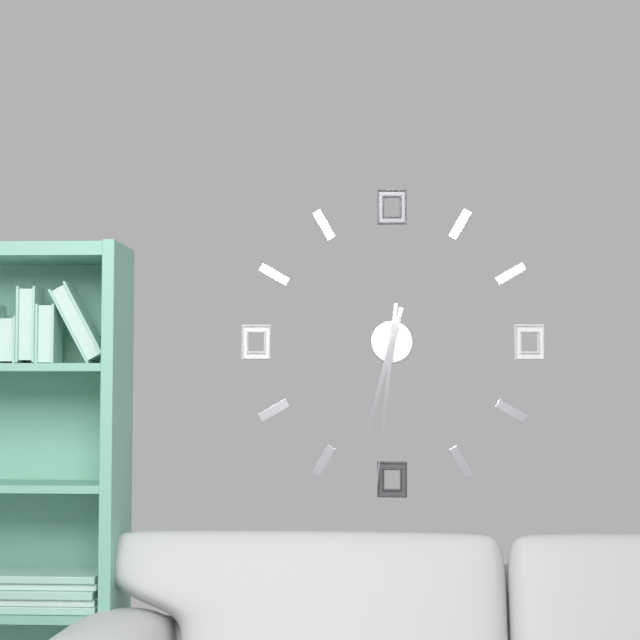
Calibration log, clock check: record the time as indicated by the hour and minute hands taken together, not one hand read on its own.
6:31
